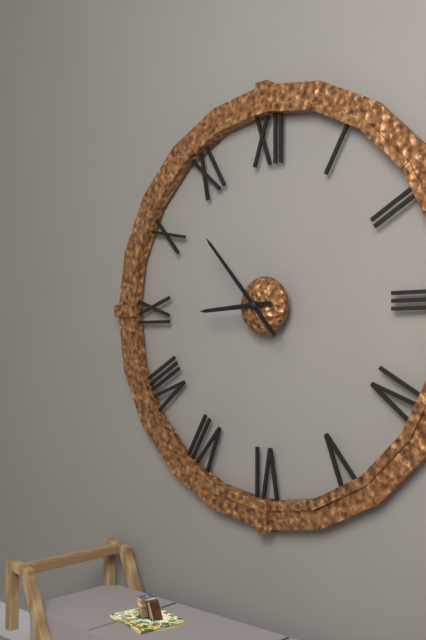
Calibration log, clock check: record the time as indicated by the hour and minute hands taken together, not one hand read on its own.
8:53
